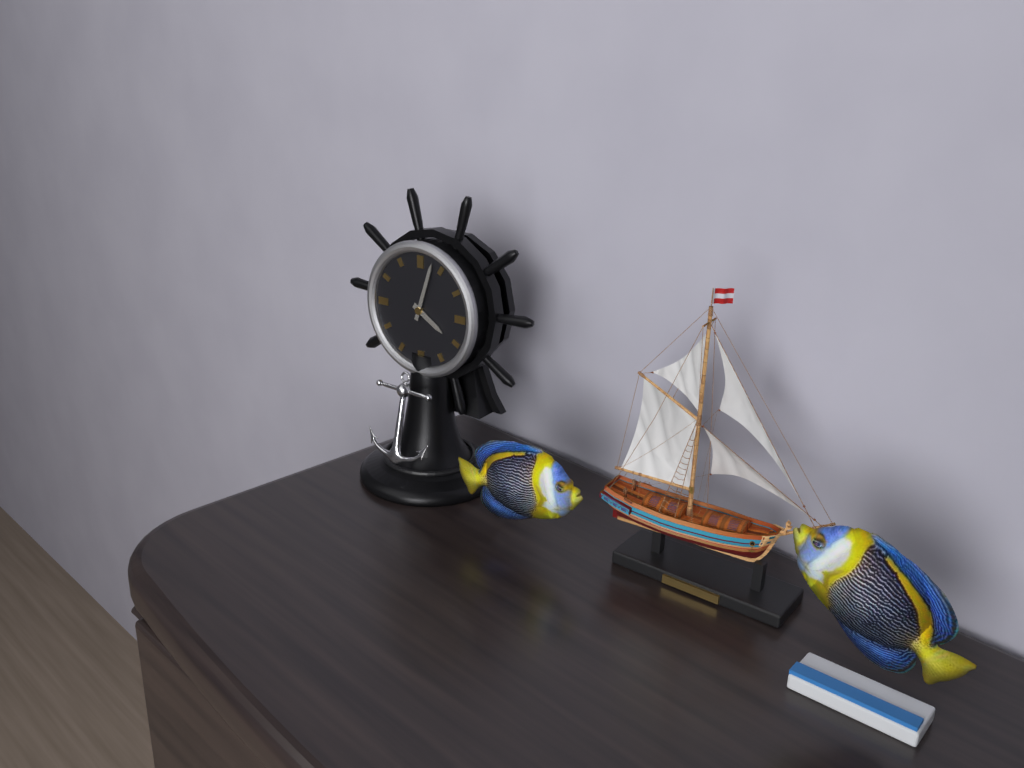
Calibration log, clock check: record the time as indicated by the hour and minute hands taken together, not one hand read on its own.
4:03
